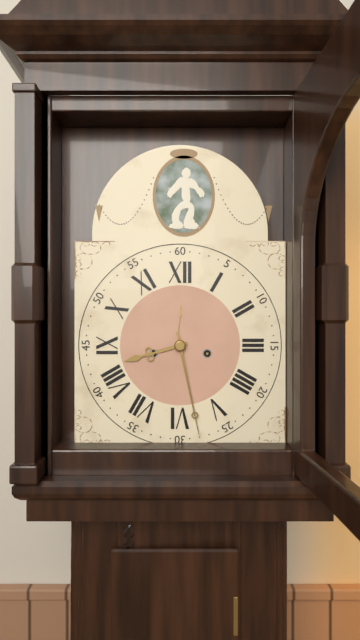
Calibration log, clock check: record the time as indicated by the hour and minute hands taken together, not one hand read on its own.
8:28
